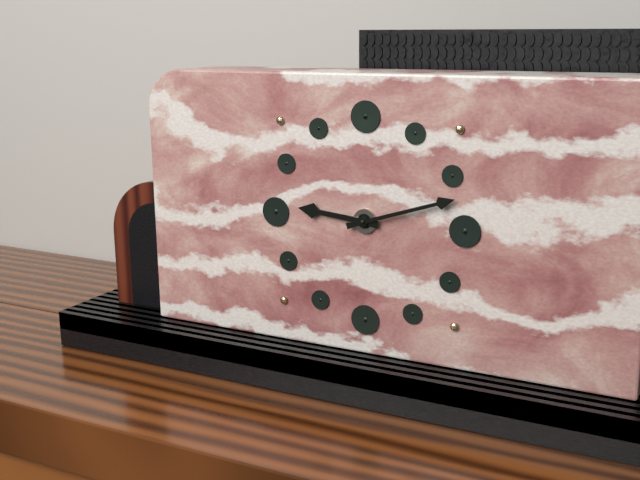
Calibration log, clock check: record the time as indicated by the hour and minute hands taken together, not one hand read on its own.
9:12
